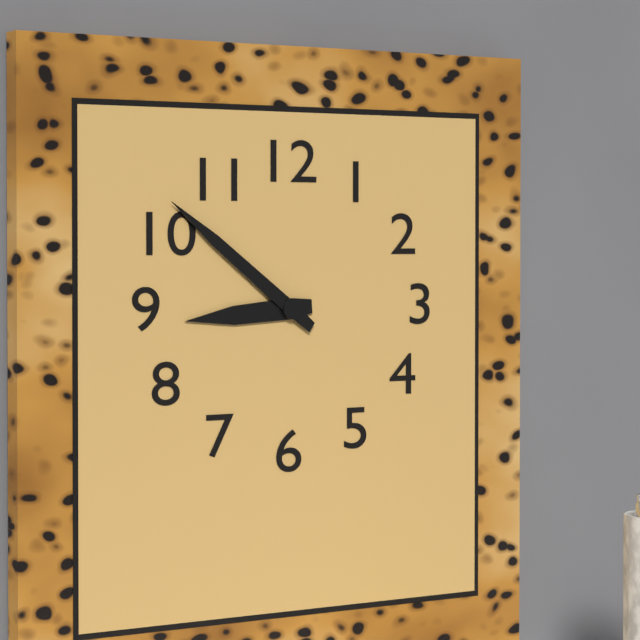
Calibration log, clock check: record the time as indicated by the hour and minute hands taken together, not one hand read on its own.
8:51
